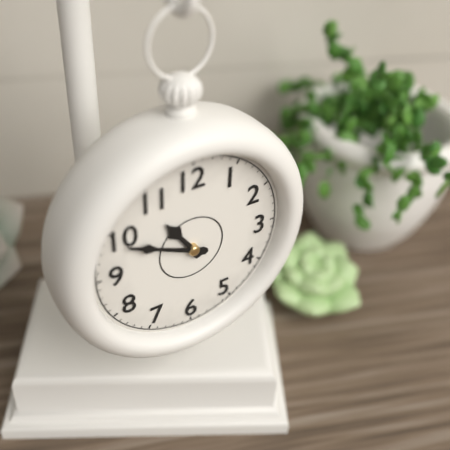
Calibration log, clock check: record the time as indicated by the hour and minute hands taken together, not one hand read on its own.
10:49
